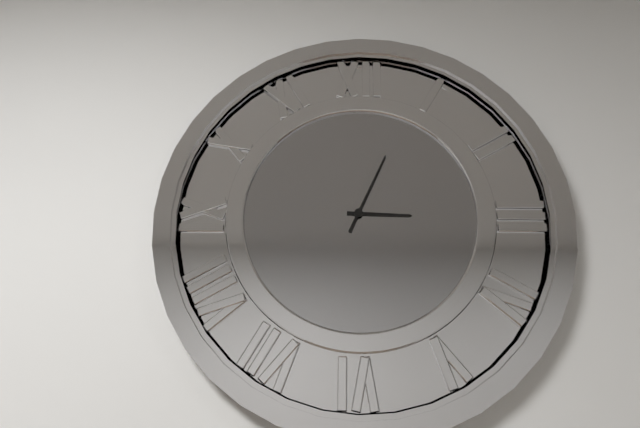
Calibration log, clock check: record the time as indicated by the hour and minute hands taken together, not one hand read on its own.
3:04
